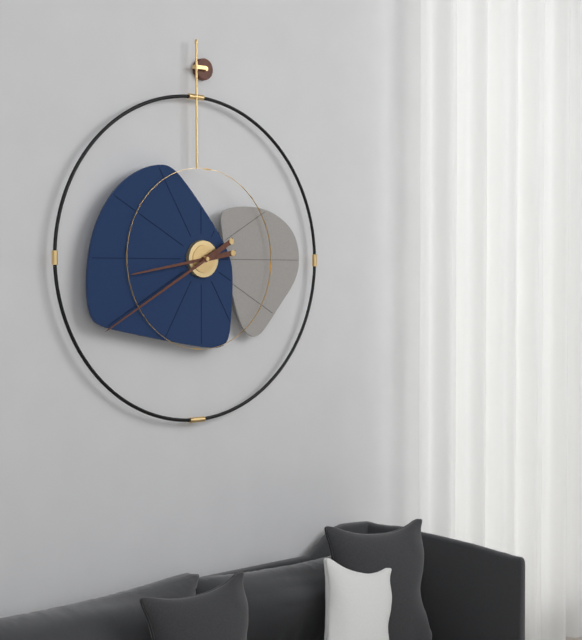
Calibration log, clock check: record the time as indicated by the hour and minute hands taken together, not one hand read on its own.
8:40
